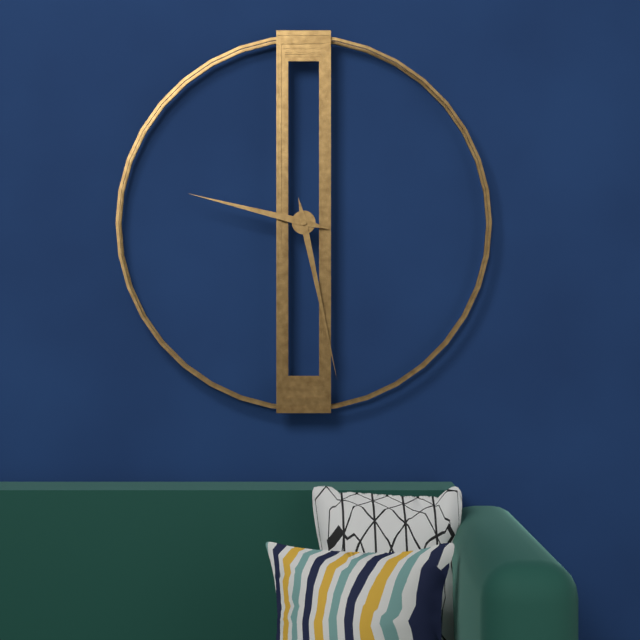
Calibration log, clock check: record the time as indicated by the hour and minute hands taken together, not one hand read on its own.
9:28
